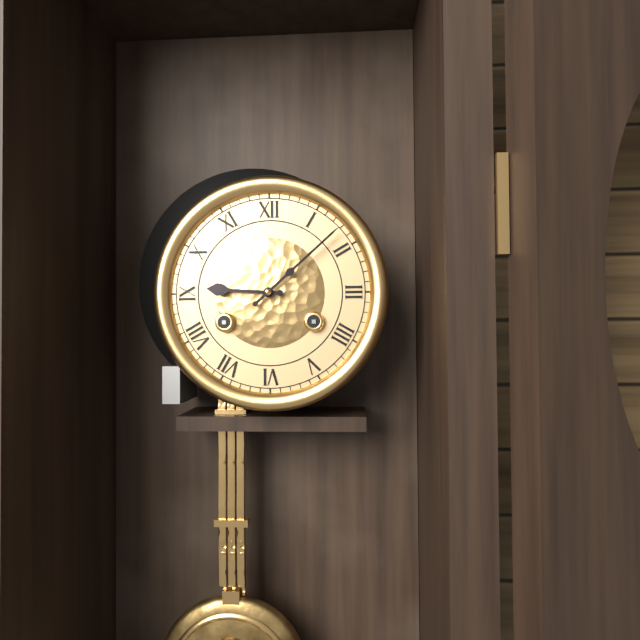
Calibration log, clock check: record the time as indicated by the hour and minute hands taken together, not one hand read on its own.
9:08
